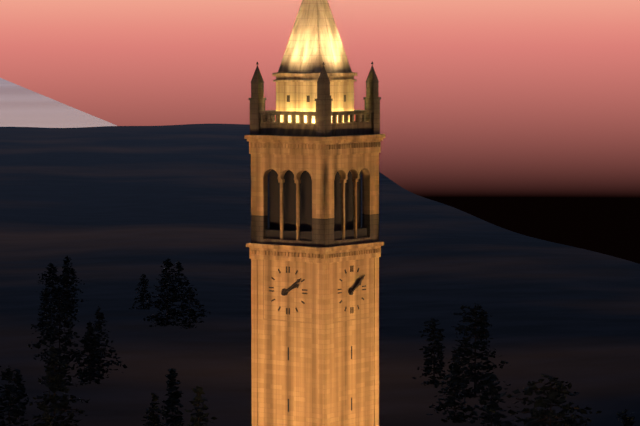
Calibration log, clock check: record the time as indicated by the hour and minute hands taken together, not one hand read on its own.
2:09
